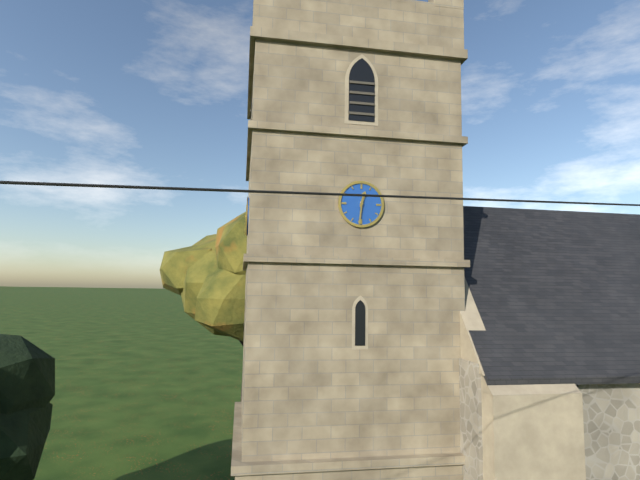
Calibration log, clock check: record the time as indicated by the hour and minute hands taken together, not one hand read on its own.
12:31
